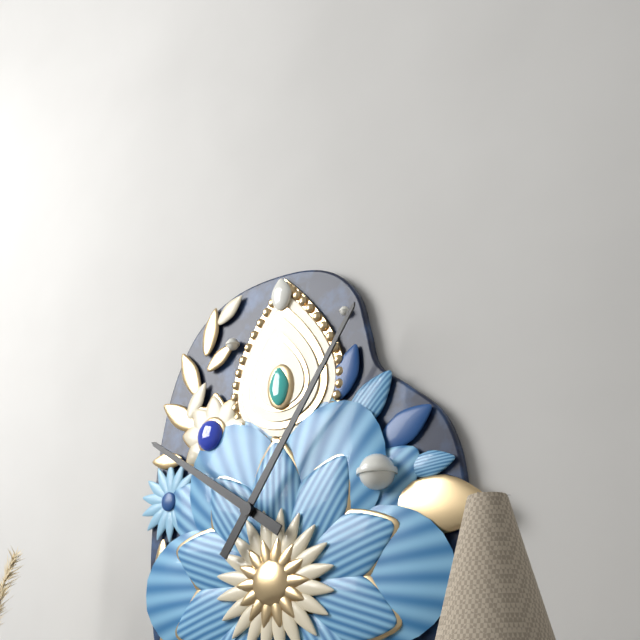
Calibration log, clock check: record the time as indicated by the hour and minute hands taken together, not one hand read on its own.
10:06
